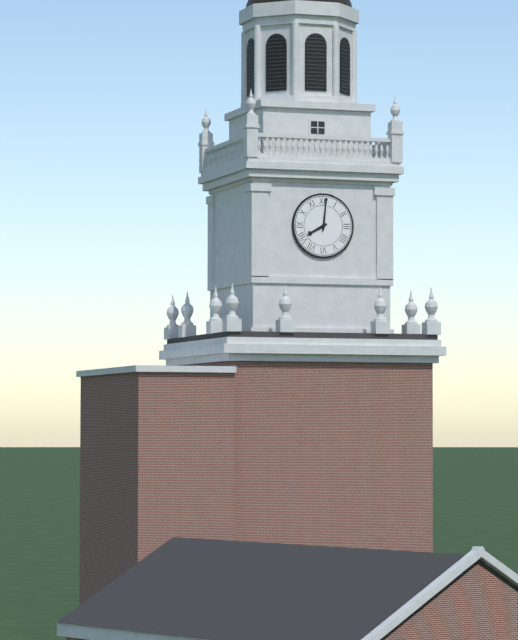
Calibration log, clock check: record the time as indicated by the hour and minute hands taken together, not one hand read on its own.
8:01
